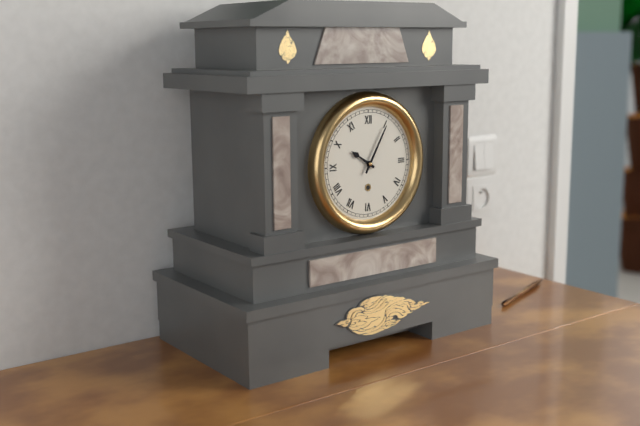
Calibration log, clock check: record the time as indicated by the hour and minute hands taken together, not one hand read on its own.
10:05
